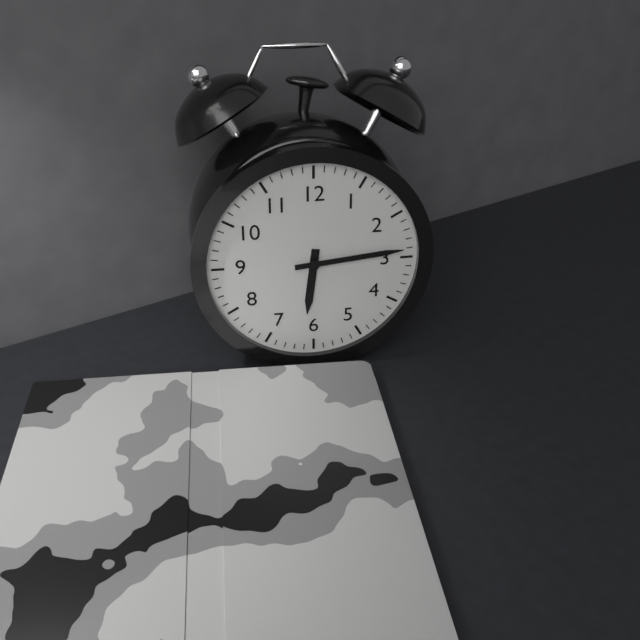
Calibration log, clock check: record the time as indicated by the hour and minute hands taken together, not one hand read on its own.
6:14
